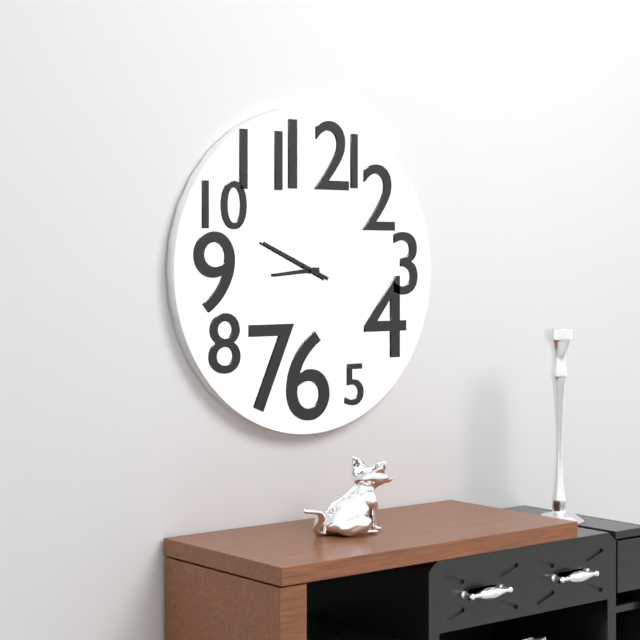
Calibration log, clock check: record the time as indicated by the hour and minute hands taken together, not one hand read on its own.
8:49
